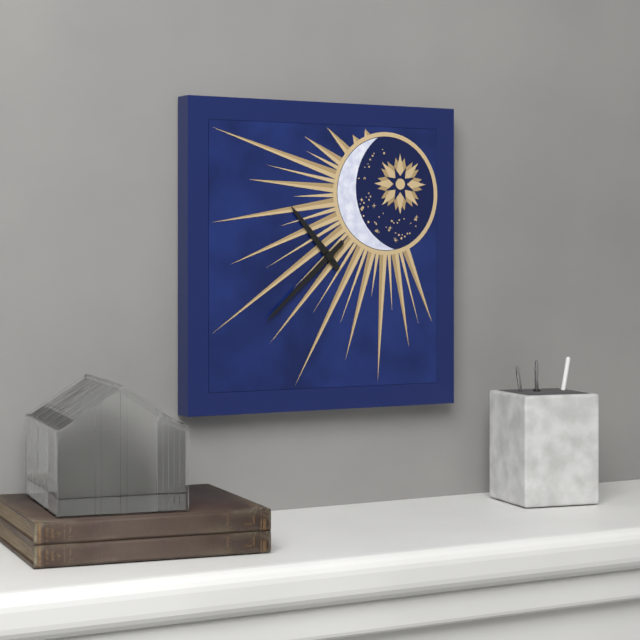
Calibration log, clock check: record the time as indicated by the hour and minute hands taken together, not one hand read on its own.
10:38
